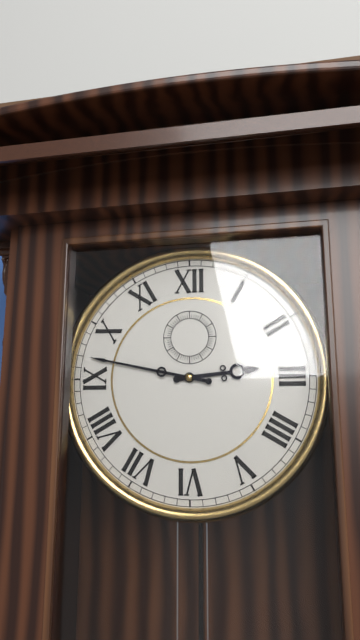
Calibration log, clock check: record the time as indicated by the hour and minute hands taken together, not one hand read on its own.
2:47
